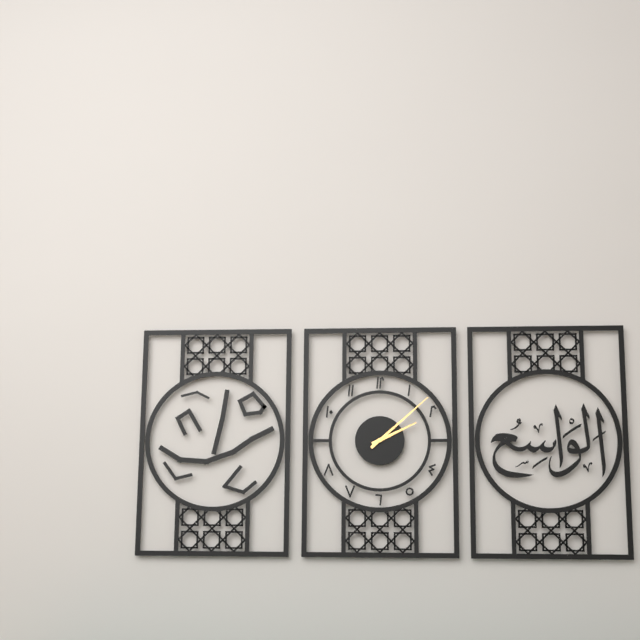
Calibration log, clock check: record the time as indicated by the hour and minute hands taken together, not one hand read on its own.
2:08
